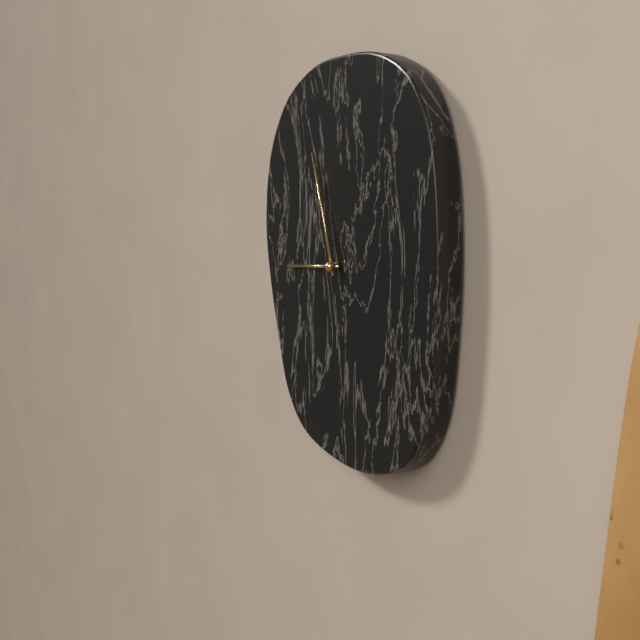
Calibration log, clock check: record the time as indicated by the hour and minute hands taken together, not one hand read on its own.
8:57
